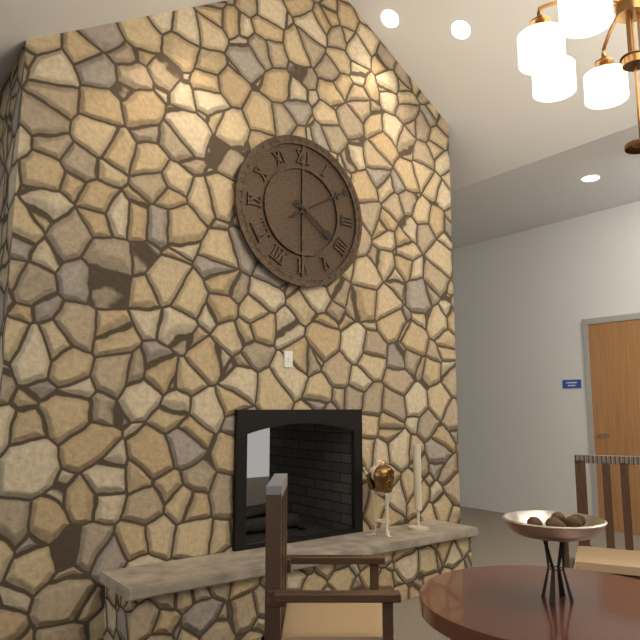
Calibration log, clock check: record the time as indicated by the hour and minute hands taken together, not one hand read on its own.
4:10
